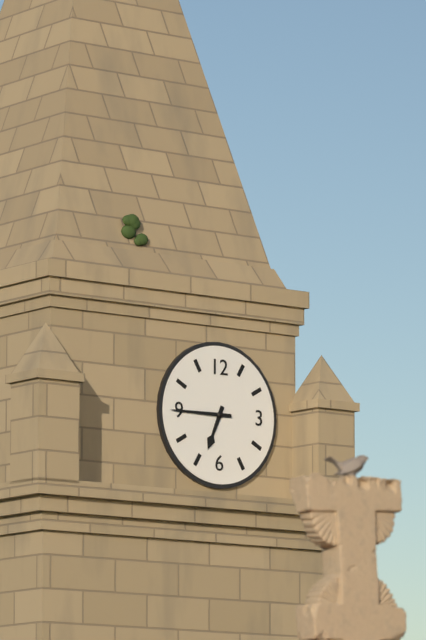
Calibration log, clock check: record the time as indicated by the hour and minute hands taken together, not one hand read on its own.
6:45
